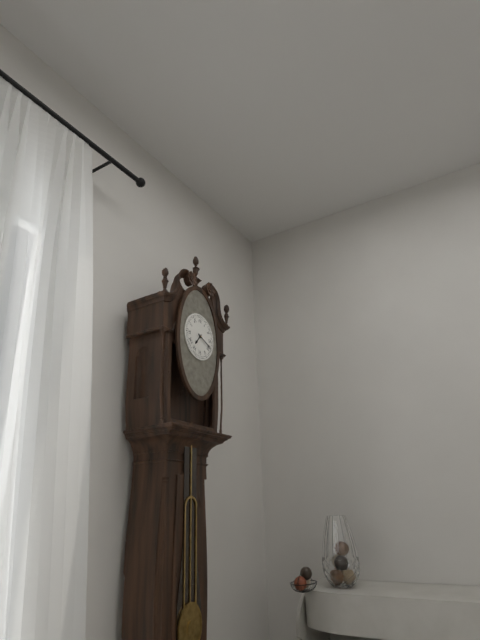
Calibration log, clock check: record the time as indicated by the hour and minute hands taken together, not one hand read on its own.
7:19
